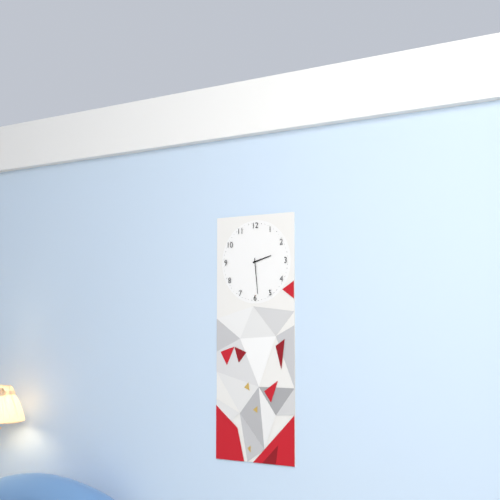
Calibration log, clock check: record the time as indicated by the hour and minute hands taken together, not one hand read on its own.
2:29
